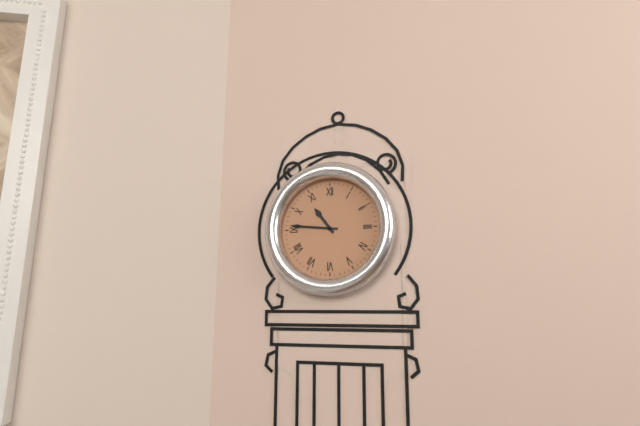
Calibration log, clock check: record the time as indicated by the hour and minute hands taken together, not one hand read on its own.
10:46
